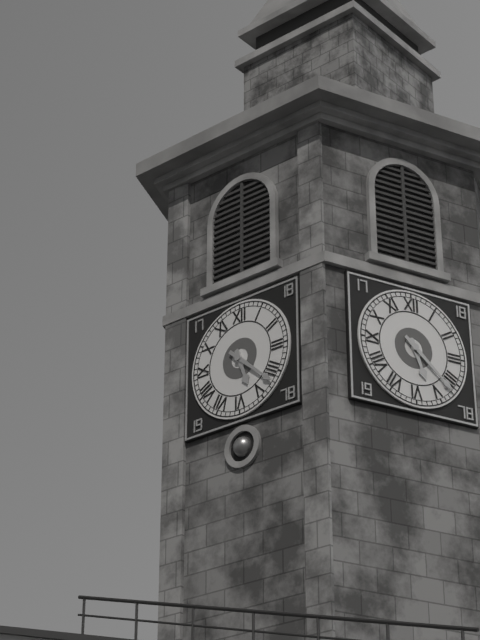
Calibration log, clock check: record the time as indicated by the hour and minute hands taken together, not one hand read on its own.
5:22
